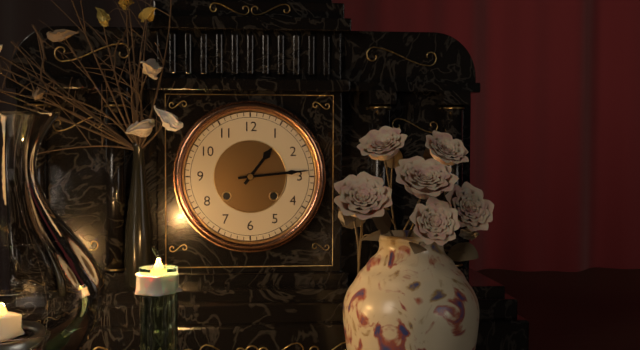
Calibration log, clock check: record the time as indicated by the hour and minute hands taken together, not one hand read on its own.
1:14
